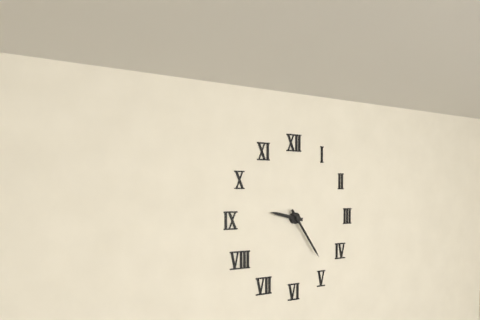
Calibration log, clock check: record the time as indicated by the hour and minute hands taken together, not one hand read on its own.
9:24
